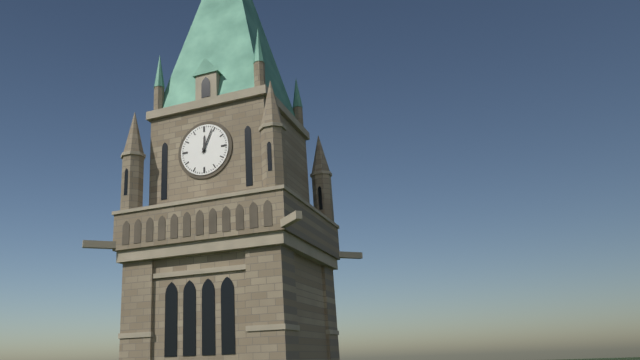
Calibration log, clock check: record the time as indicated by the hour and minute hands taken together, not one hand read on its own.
12:04
